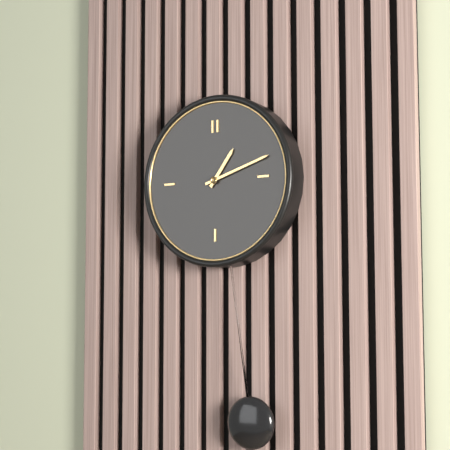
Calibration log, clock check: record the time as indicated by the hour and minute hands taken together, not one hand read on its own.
1:12
